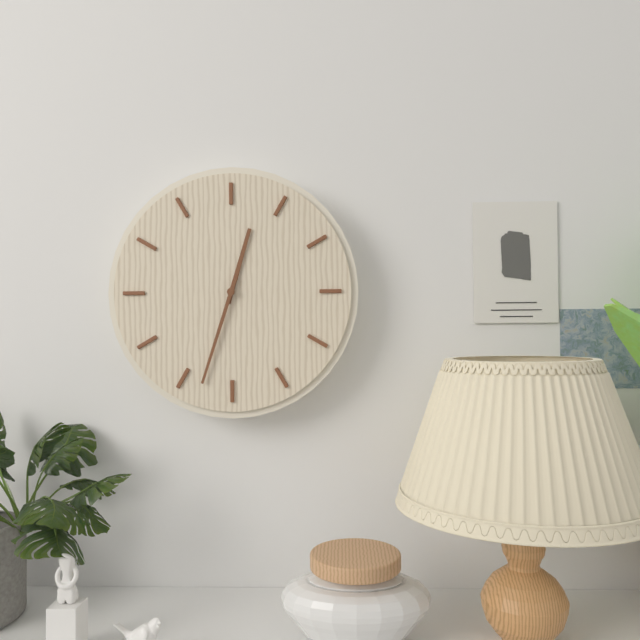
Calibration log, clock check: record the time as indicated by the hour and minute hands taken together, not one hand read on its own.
12:33
